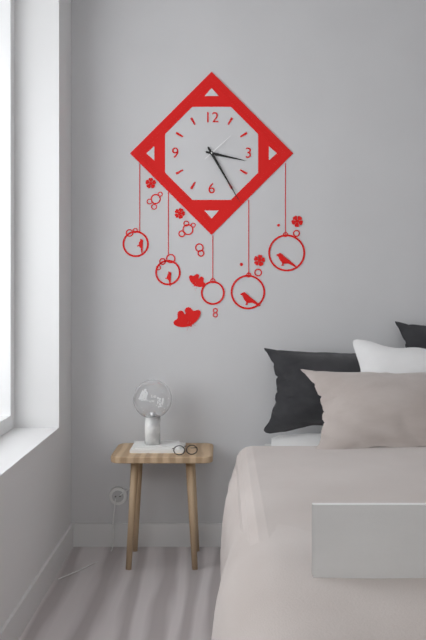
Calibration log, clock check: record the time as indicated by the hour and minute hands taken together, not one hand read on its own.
3:25
